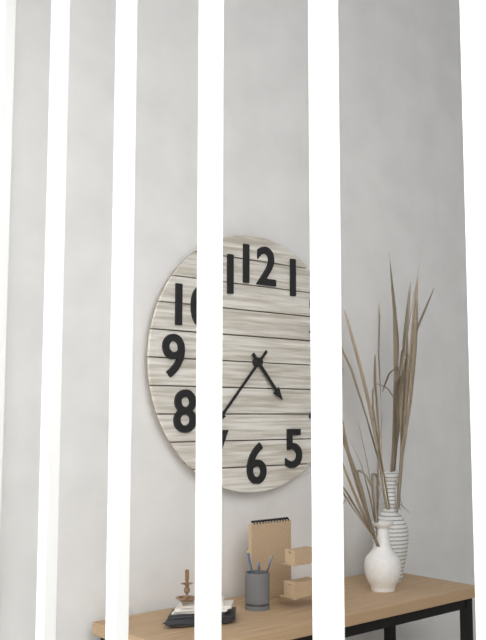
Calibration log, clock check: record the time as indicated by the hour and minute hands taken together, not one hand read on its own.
4:37
